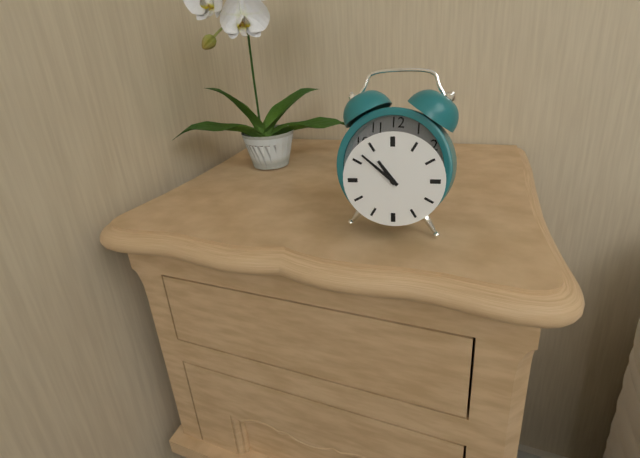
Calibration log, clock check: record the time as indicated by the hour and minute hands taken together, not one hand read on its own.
10:52
